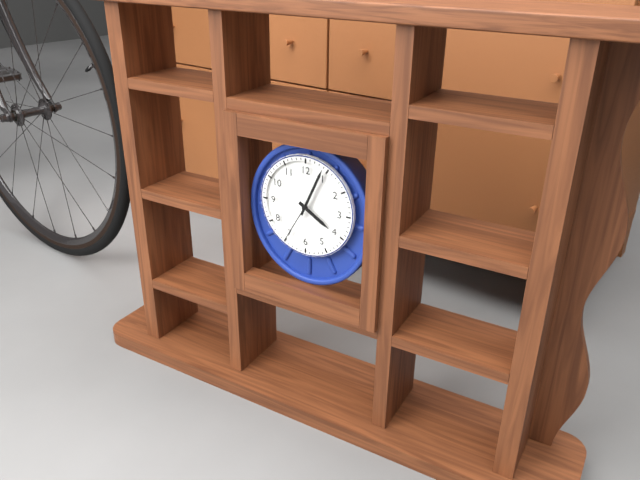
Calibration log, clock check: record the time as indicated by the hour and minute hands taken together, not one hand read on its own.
4:04
